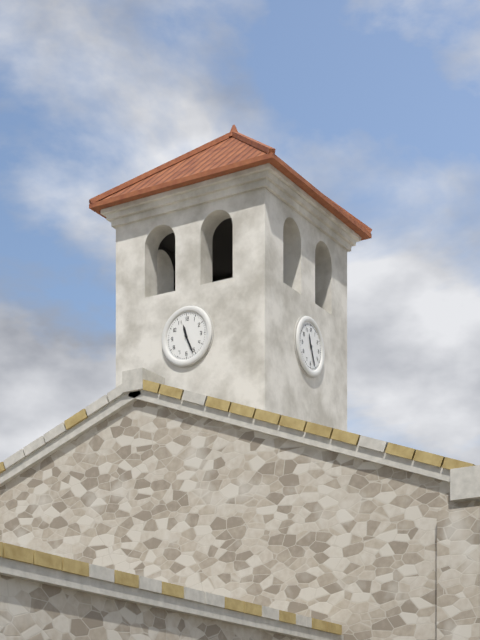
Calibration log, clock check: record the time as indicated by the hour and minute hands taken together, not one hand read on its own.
11:26
